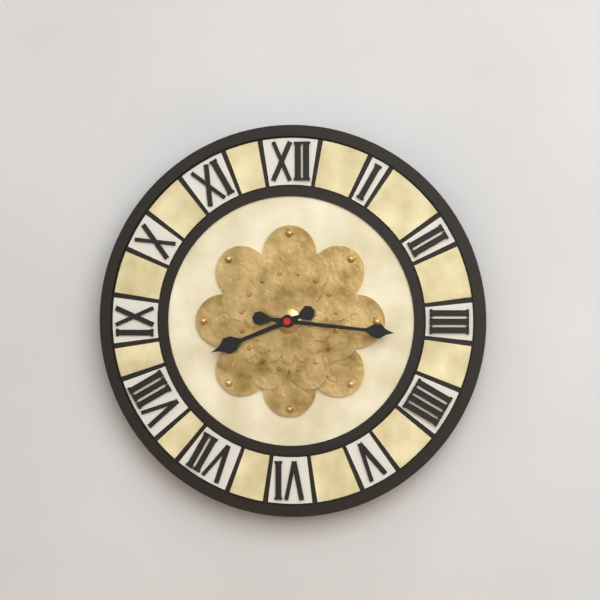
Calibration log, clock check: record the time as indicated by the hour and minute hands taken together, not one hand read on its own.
8:16
